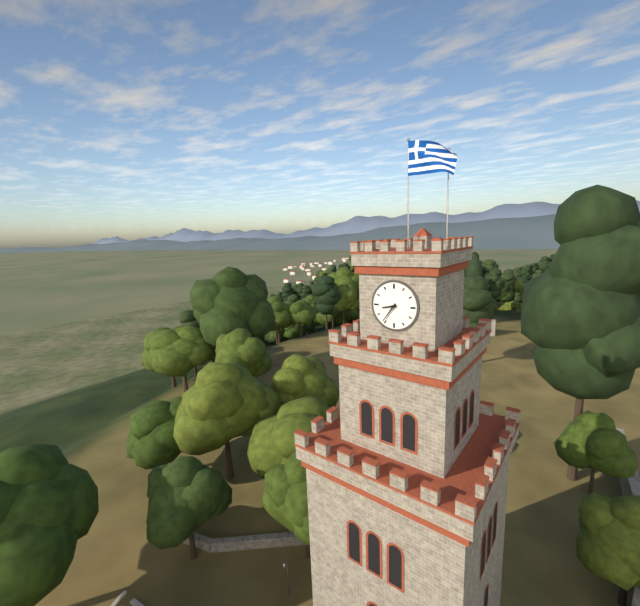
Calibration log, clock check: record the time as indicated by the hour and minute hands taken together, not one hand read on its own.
8:36
